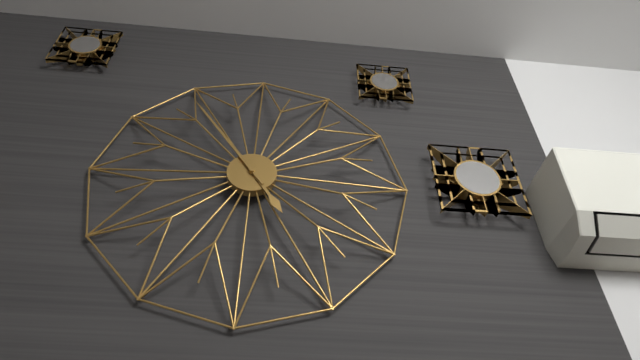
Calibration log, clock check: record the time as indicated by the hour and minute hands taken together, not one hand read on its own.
4:54
